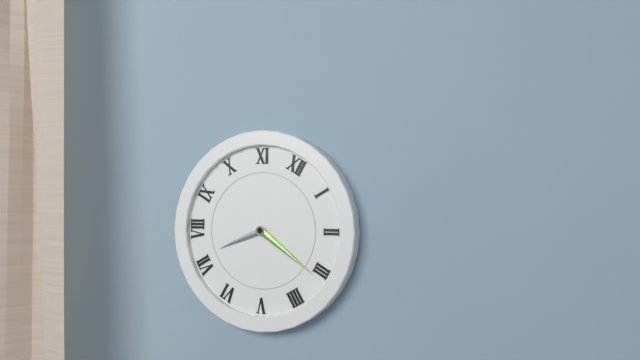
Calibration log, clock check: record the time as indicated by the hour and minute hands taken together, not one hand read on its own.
7:16
